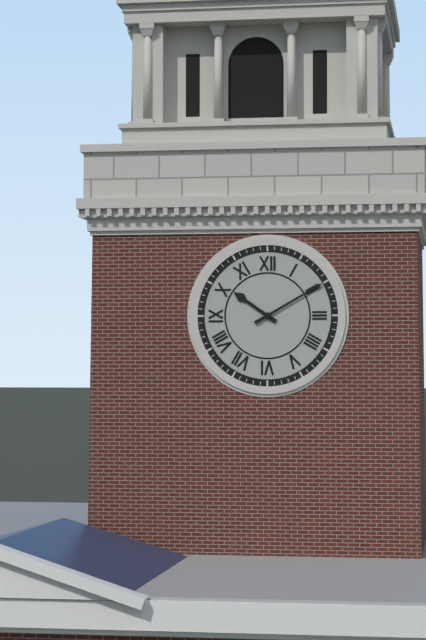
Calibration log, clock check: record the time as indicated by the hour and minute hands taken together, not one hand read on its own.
10:10
